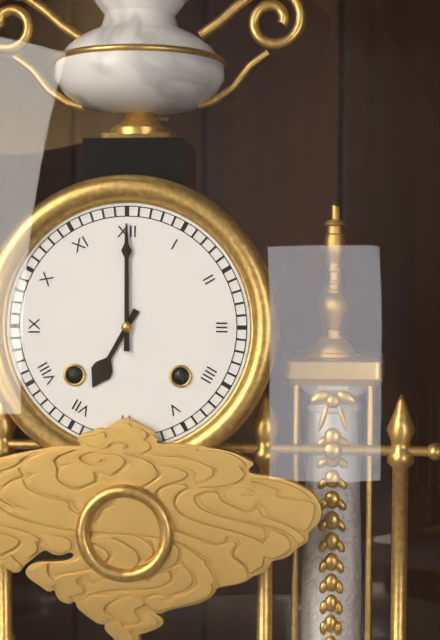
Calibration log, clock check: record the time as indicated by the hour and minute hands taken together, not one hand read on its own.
7:00
